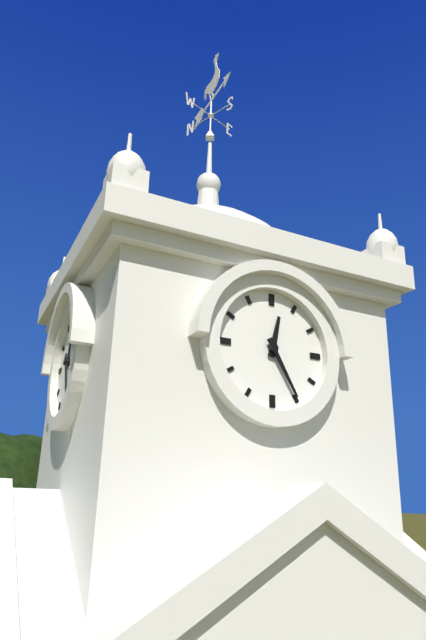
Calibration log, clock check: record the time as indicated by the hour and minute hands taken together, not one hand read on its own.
12:25
